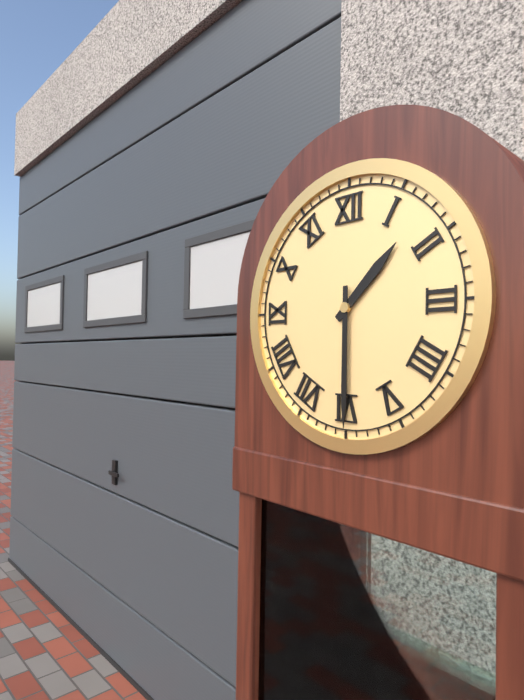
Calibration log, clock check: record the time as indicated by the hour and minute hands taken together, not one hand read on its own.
1:30
